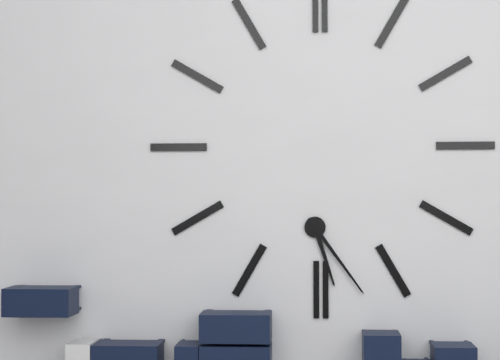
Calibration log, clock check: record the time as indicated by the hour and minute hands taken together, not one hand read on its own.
5:24
